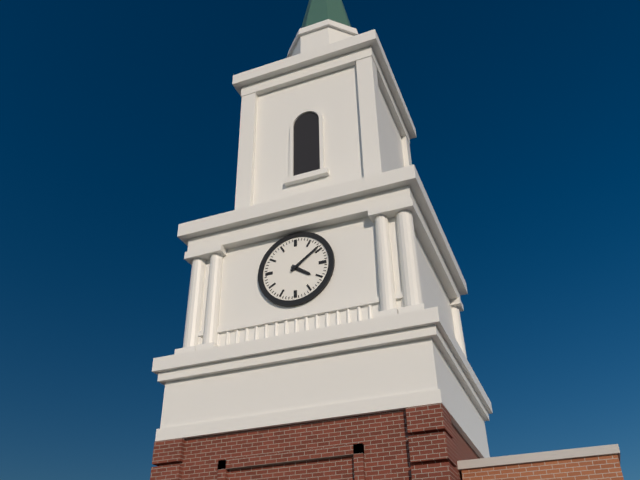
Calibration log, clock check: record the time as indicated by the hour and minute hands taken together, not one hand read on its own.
4:09
